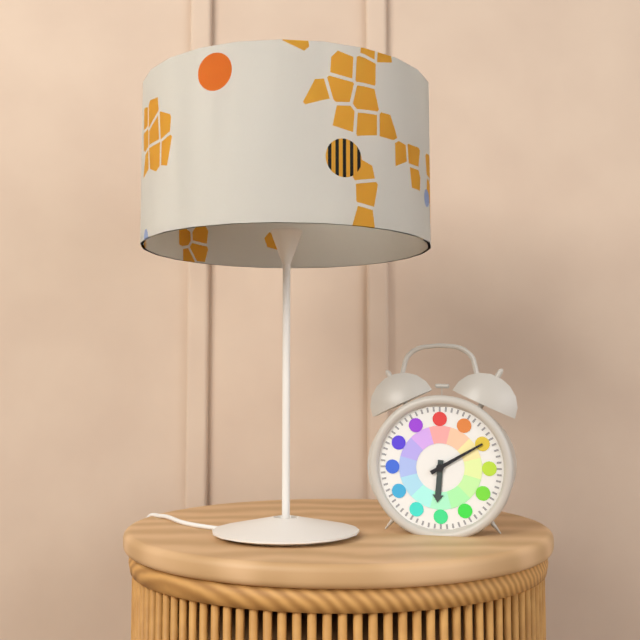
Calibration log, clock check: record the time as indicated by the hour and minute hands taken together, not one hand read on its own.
6:10
